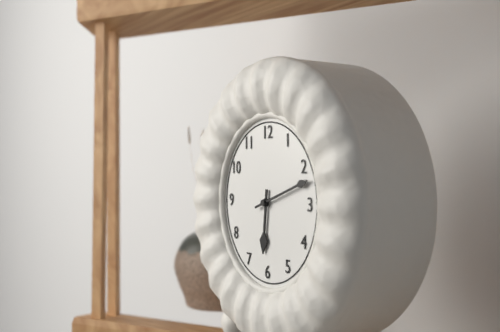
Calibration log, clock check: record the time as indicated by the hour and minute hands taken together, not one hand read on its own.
6:12
